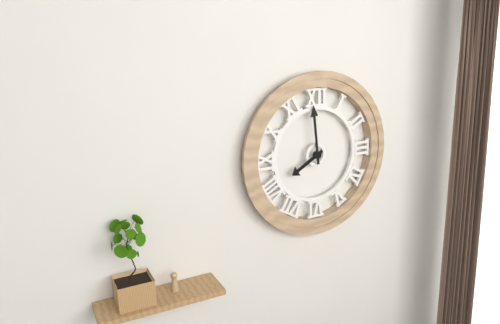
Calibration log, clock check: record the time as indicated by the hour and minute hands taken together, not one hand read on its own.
7:59
